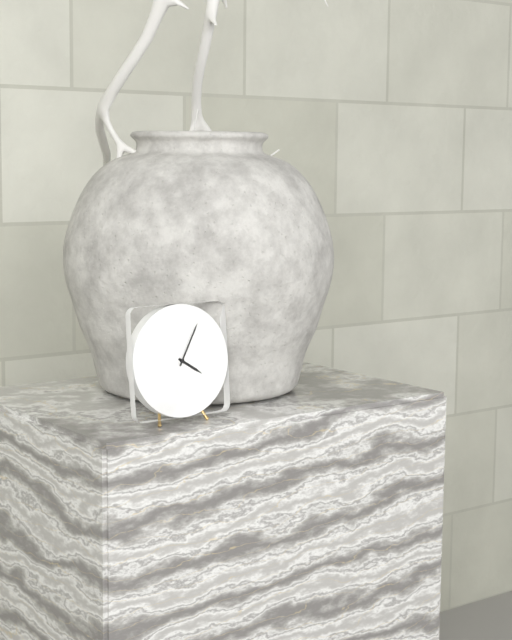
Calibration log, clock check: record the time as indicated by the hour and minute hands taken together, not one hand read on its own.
4:05
